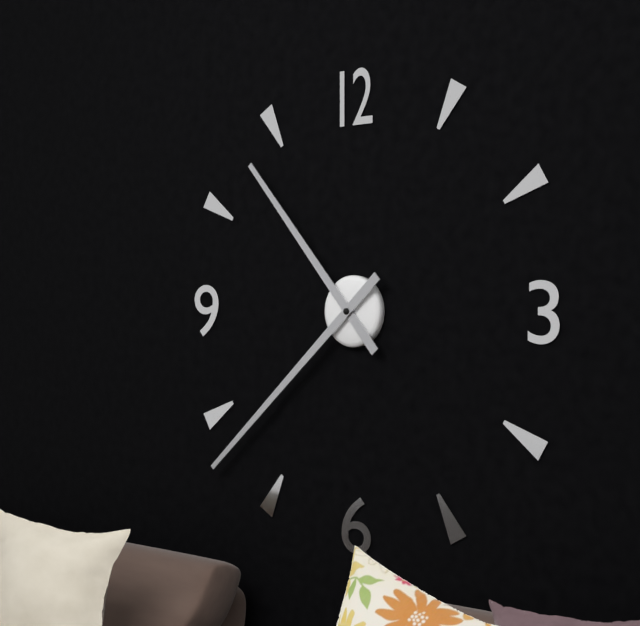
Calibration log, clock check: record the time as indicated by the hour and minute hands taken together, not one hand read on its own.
10:38
